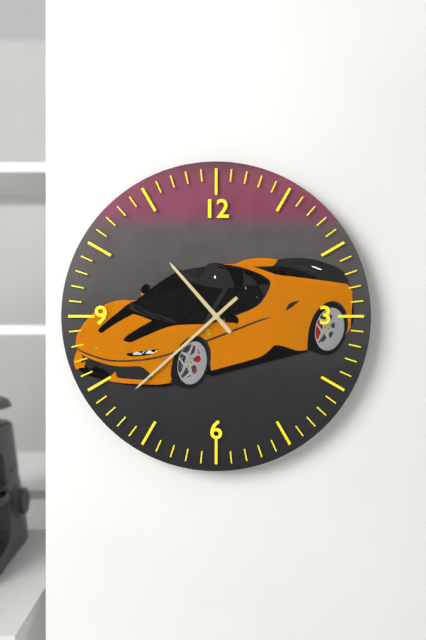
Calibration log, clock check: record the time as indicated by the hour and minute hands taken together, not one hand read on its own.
10:38
